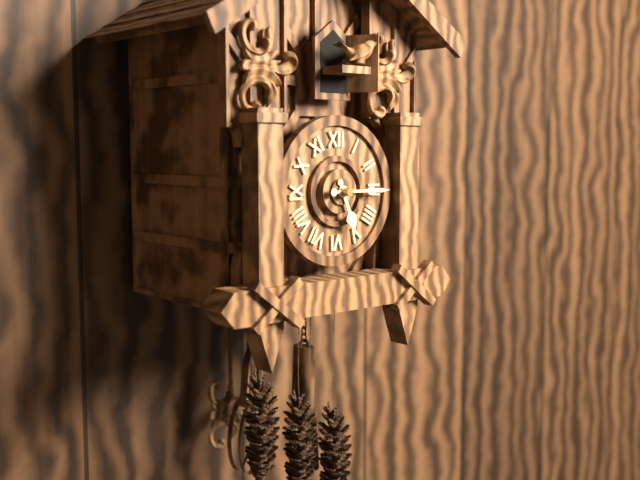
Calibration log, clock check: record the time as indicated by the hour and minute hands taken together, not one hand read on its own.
5:15
